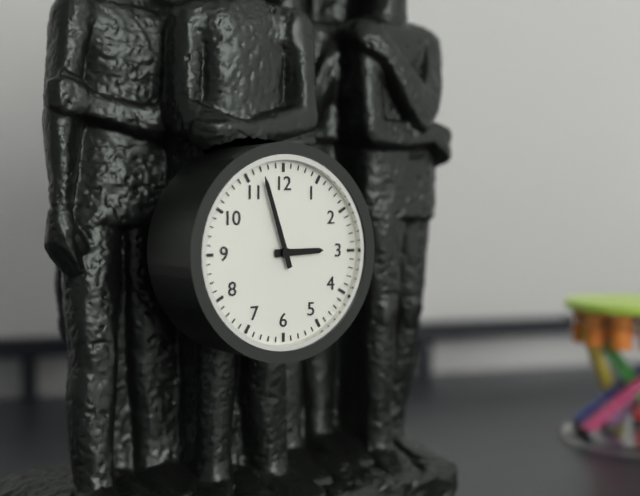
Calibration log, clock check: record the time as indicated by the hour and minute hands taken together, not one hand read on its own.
2:57
